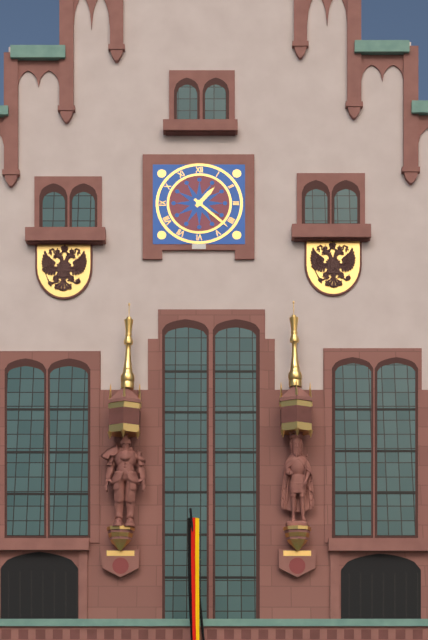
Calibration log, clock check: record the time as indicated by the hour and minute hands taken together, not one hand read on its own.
1:22
